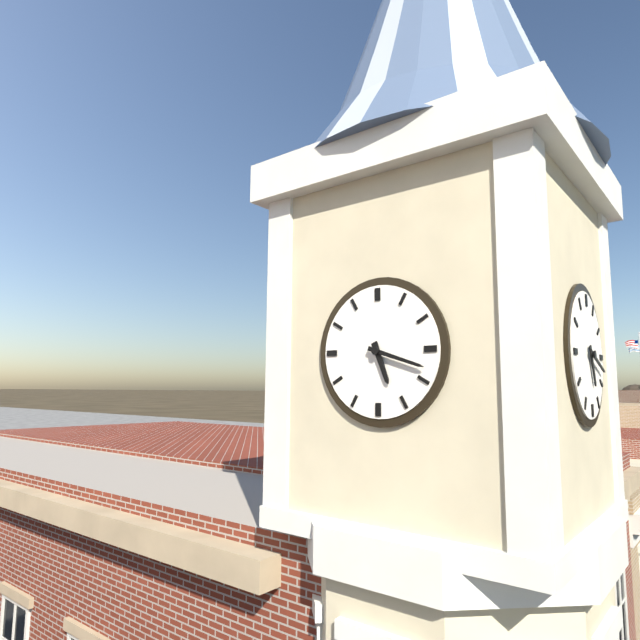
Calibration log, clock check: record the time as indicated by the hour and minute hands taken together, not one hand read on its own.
5:18
